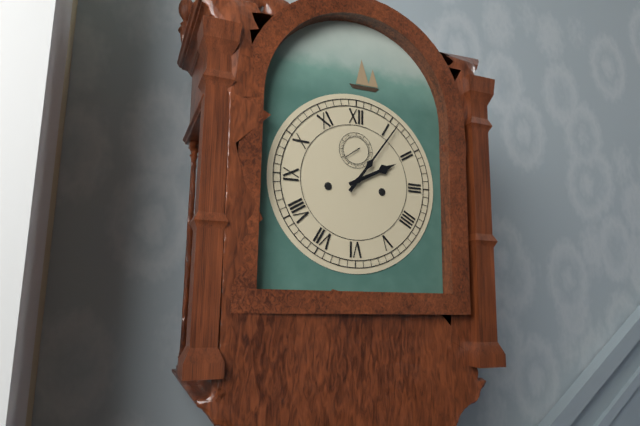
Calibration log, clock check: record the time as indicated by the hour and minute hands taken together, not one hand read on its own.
2:06
